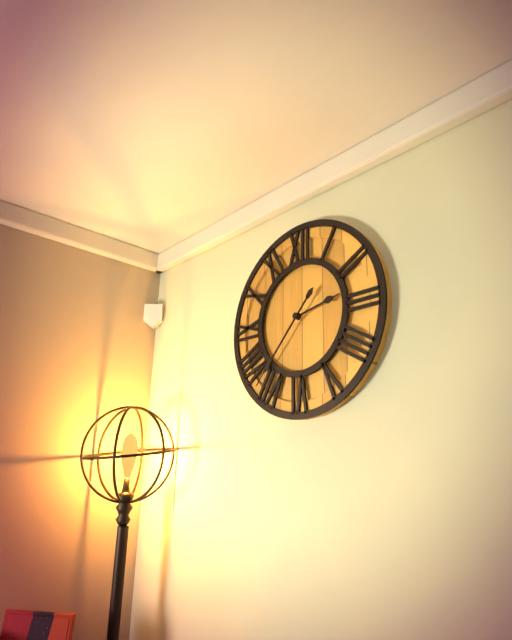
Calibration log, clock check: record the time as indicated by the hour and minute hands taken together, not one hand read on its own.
2:37
